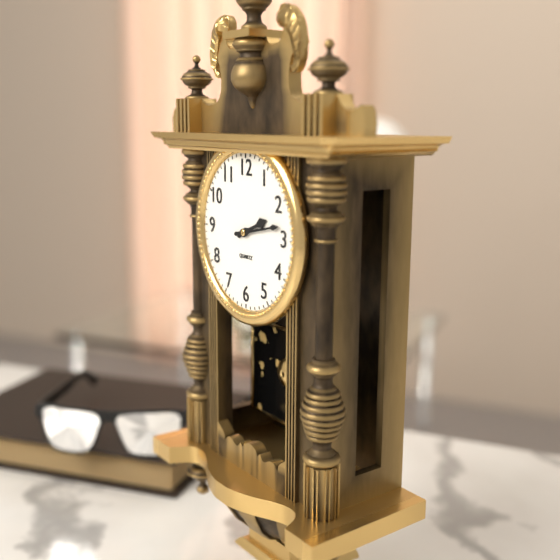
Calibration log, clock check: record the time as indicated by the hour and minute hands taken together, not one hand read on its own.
2:13
